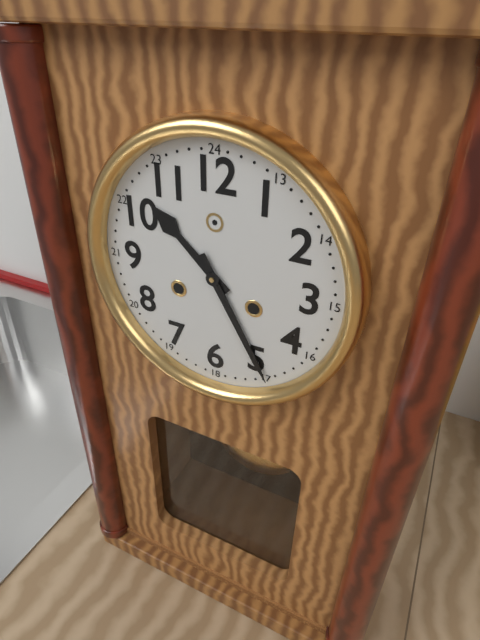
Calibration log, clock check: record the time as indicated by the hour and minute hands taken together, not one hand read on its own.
10:25
